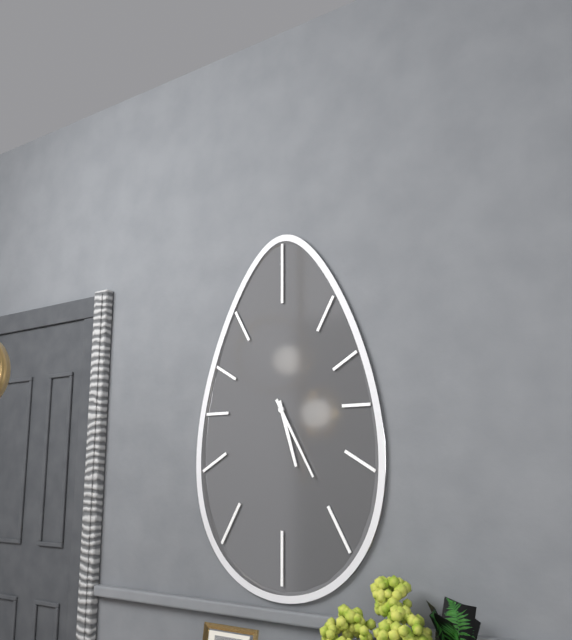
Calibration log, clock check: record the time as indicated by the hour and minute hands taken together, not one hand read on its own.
5:25
